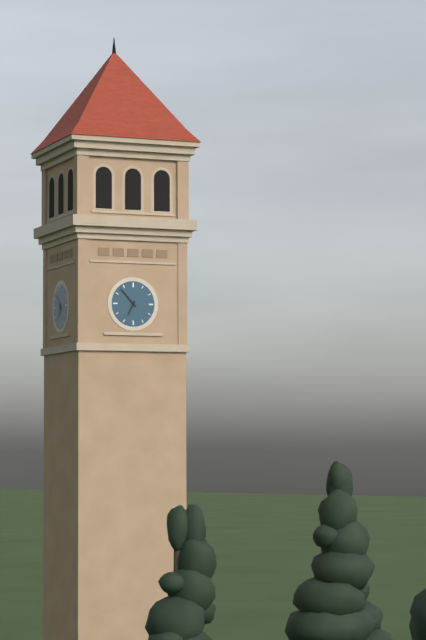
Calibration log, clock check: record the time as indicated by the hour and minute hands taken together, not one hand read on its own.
6:53
